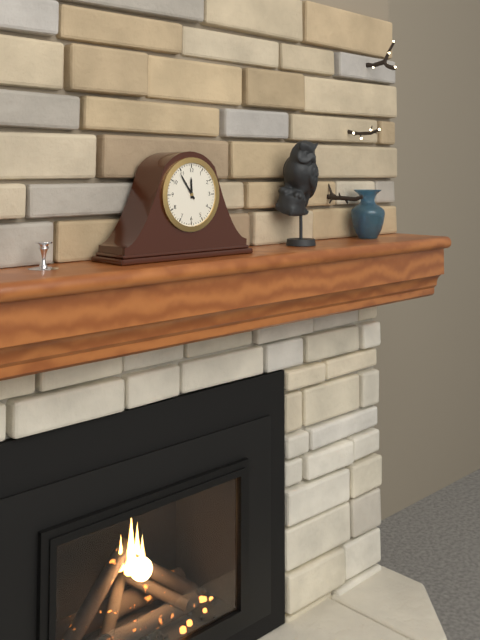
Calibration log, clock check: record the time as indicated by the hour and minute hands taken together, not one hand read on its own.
11:54
